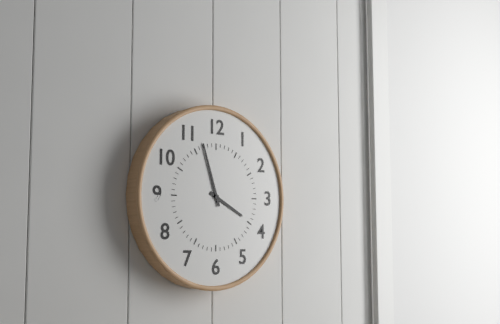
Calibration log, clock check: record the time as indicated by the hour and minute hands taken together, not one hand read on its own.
3:57
